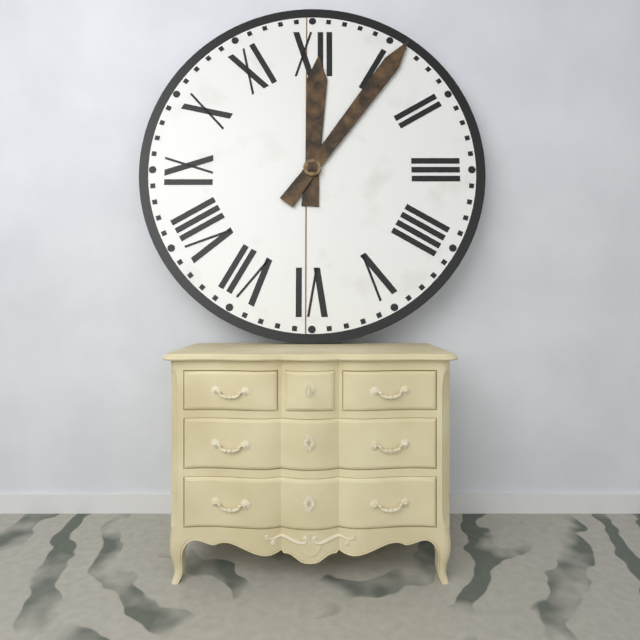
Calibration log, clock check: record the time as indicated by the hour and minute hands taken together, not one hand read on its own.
12:06
